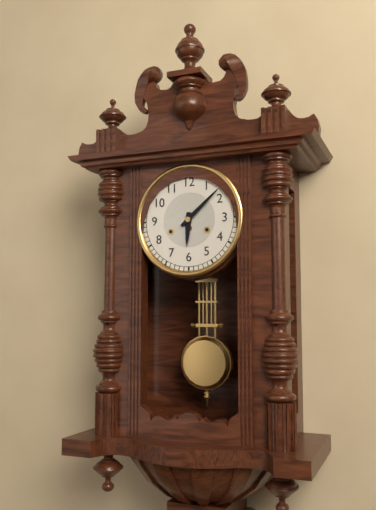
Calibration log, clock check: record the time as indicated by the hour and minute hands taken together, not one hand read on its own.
6:08
